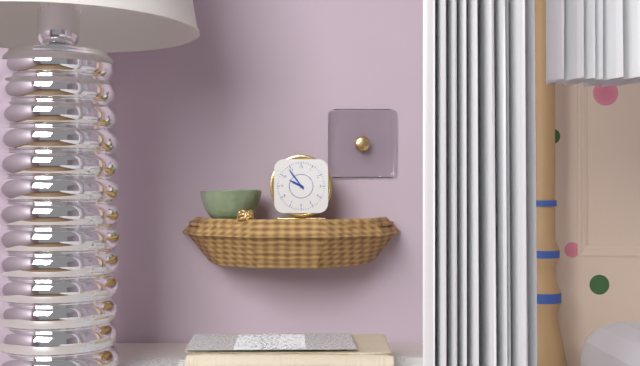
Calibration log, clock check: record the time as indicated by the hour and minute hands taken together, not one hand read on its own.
9:54
